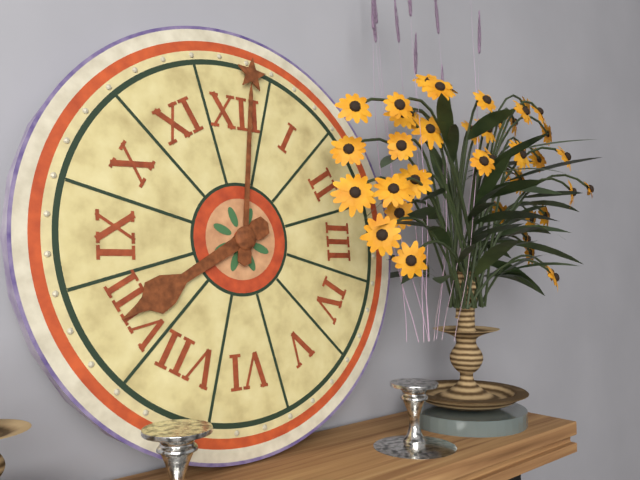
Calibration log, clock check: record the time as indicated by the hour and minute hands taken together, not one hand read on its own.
8:01
